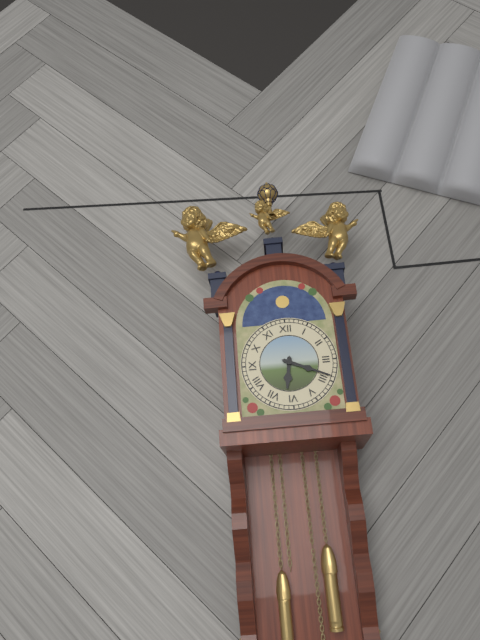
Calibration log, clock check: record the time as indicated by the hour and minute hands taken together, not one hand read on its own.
6:19
